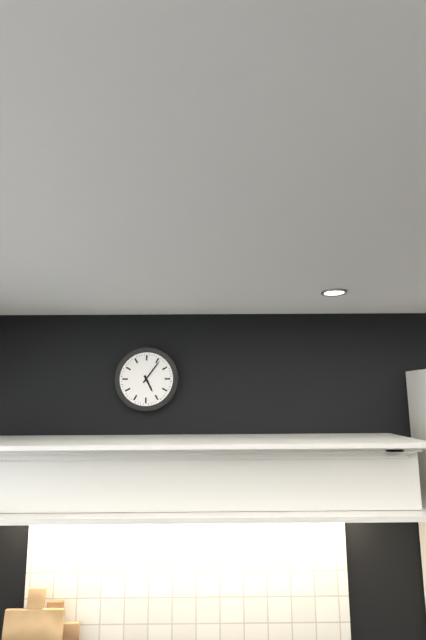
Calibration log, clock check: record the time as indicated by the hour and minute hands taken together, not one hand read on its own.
5:06
